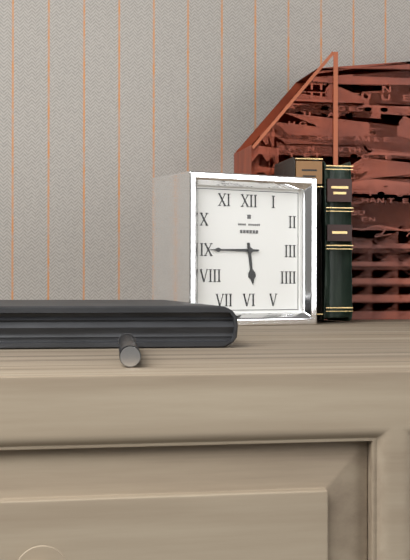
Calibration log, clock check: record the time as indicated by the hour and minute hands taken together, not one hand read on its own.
5:45
